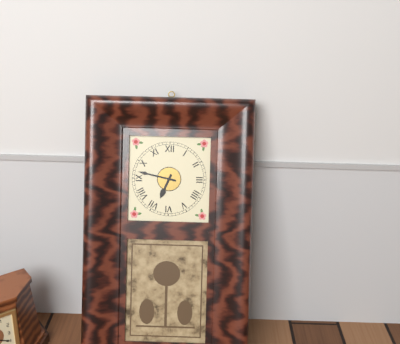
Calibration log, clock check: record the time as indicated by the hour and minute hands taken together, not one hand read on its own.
6:47
